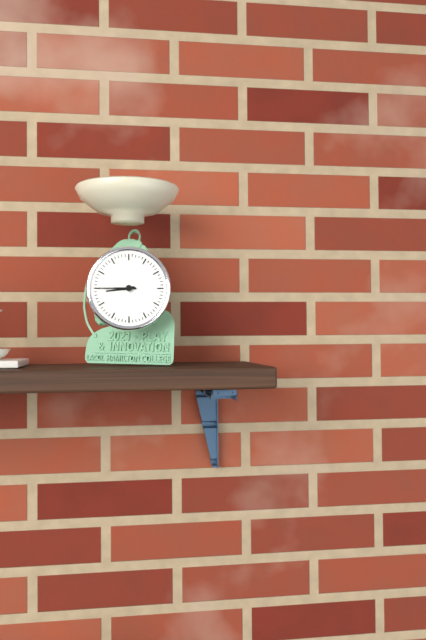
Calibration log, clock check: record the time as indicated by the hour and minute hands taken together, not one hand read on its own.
8:45
